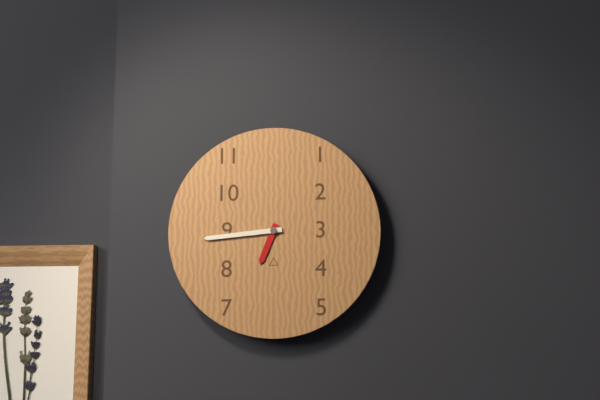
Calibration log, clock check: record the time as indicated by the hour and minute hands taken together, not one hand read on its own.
6:44
